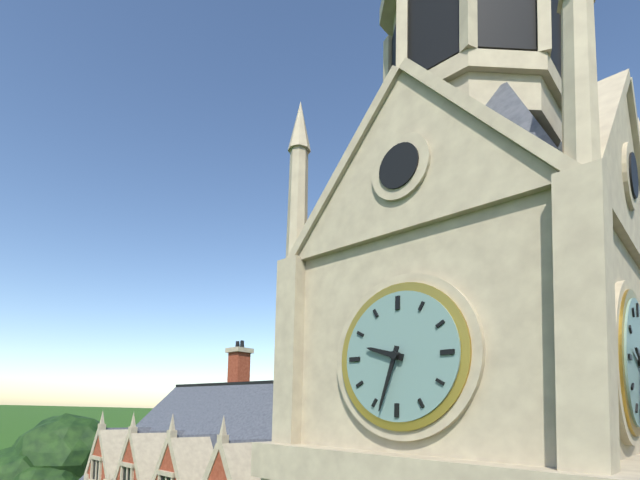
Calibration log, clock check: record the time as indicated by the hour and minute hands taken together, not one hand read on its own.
9:33
